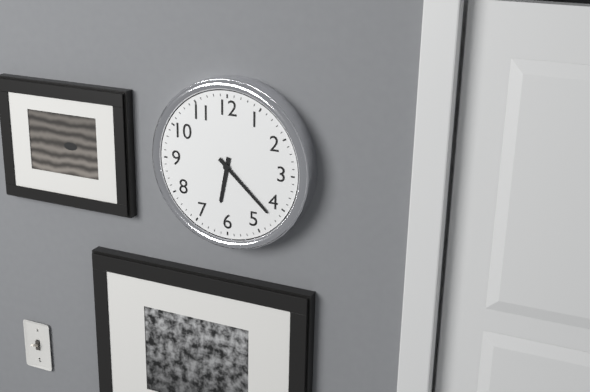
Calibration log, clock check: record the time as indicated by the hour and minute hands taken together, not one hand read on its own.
6:22
